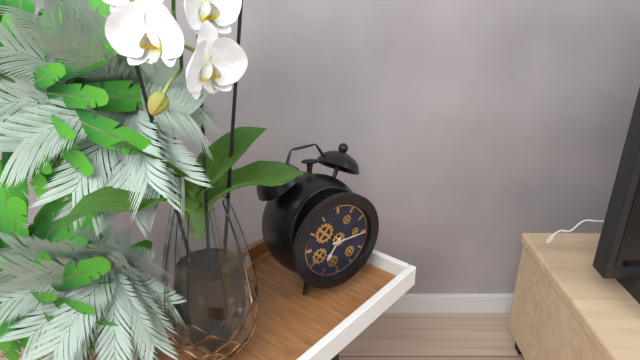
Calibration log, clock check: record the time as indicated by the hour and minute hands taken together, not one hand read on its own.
7:15
